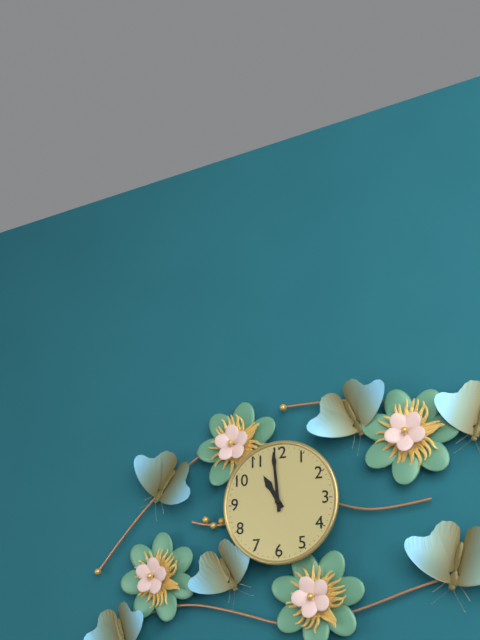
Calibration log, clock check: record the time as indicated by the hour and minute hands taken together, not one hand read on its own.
10:59
